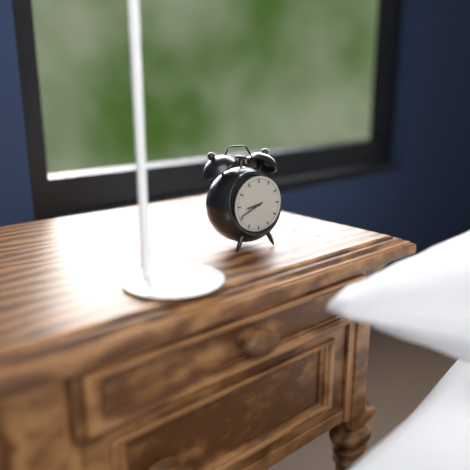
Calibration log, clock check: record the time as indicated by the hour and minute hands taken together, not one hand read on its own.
8:41
